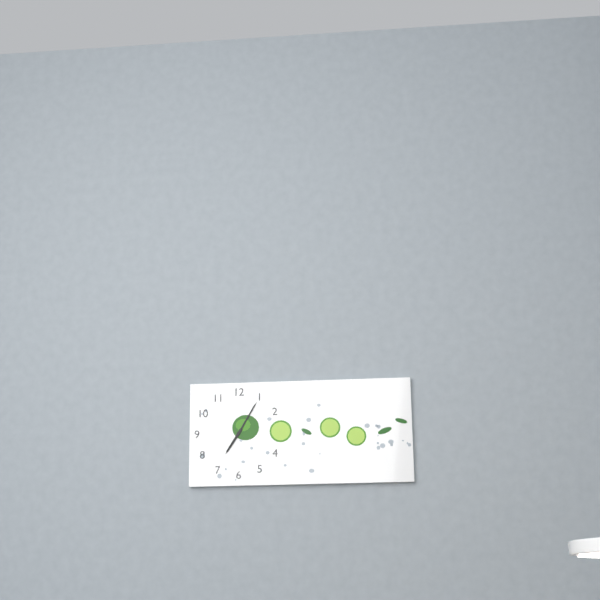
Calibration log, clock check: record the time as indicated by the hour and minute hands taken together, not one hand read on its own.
7:05
